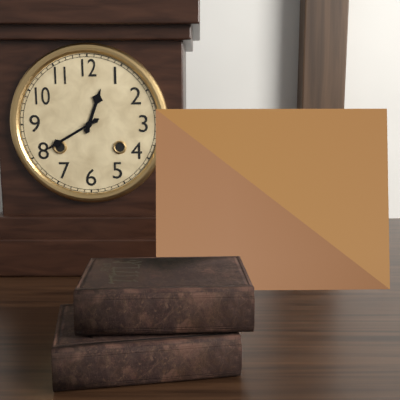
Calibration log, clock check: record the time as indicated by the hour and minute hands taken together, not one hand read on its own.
12:40
